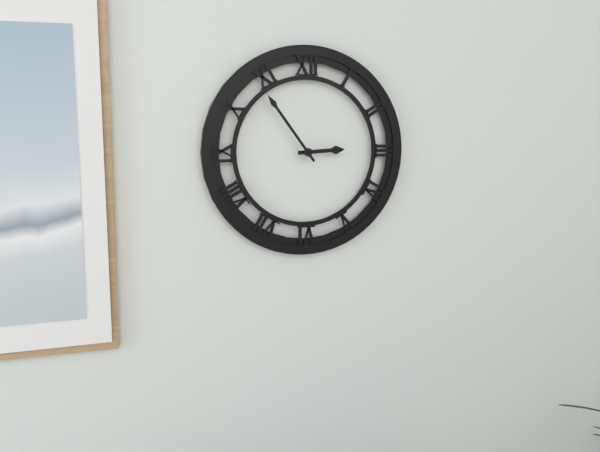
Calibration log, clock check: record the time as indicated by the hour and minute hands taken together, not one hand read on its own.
2:54
